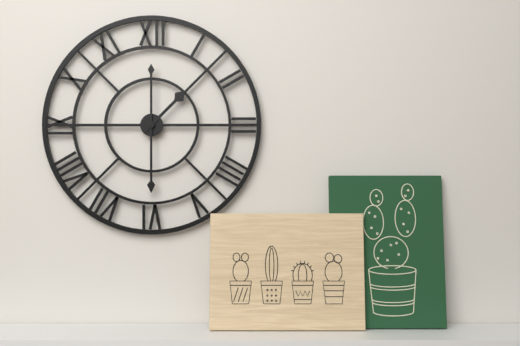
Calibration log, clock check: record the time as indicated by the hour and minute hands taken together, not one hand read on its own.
1:30
